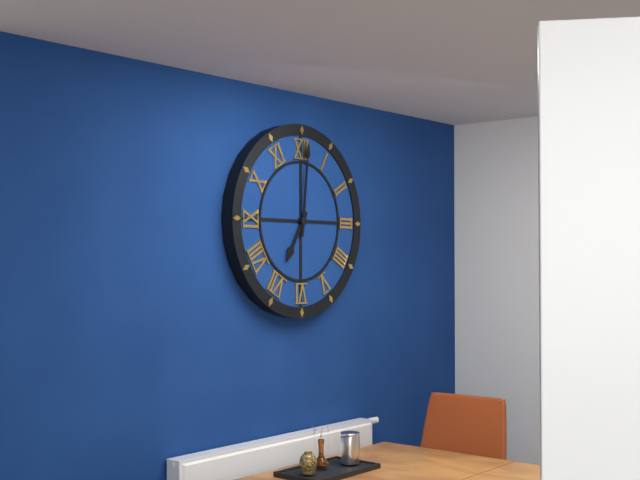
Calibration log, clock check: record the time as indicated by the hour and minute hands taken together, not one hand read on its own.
7:01
